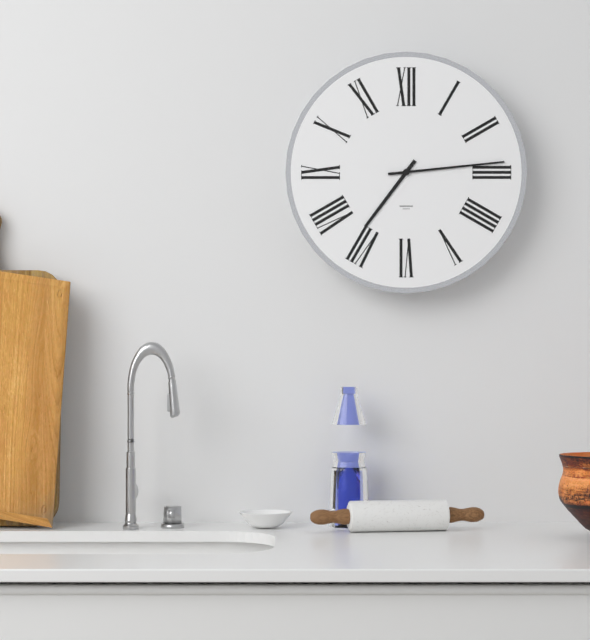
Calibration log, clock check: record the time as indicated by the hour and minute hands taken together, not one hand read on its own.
7:14
